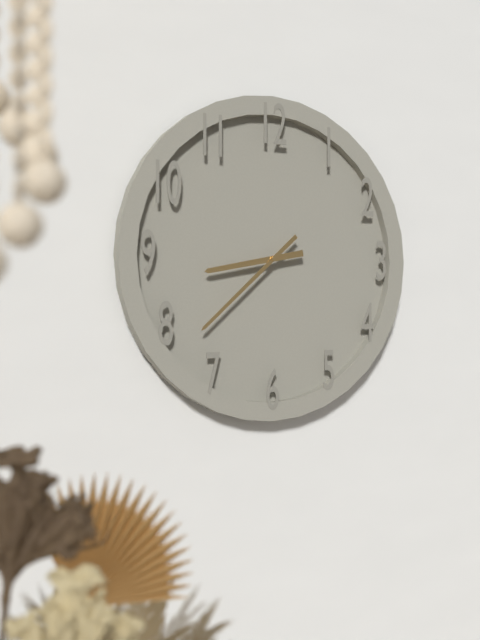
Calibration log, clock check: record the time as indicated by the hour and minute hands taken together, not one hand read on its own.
8:38
